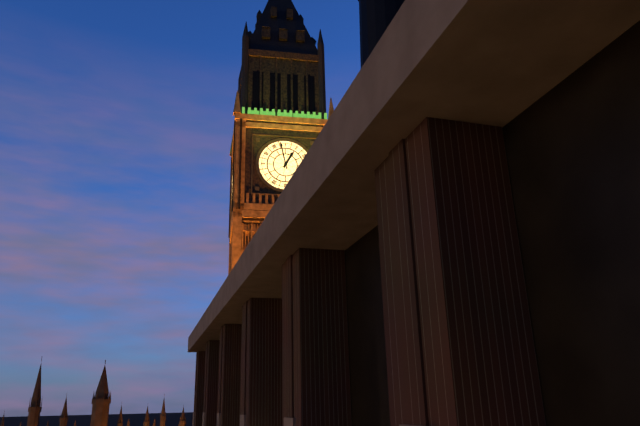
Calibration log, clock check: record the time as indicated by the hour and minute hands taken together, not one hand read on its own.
12:58
